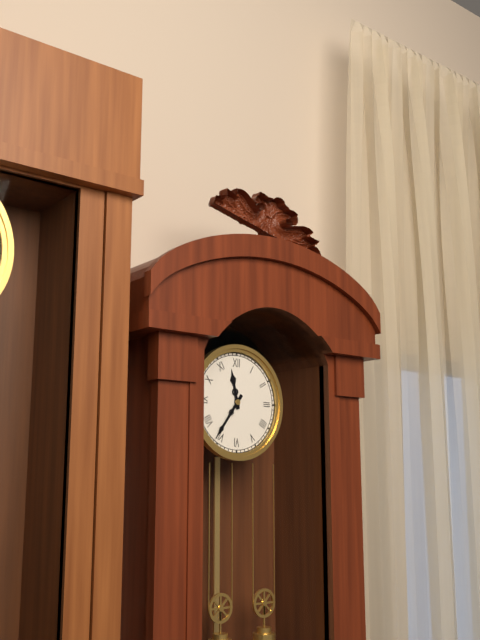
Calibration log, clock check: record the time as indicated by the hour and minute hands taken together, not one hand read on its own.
11:36
